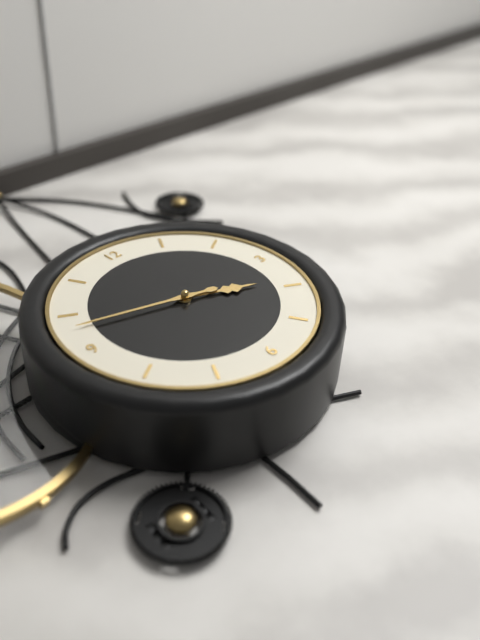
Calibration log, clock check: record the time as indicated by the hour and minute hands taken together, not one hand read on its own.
3:48
